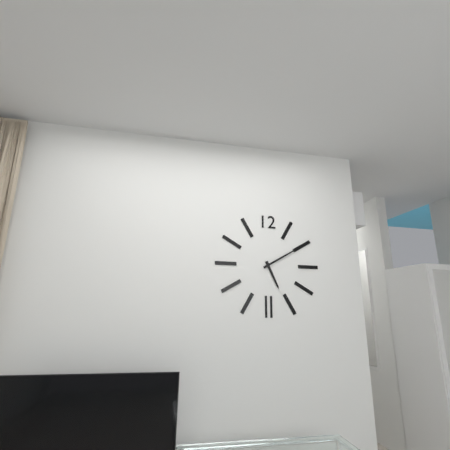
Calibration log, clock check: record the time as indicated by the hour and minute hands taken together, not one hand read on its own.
5:10
